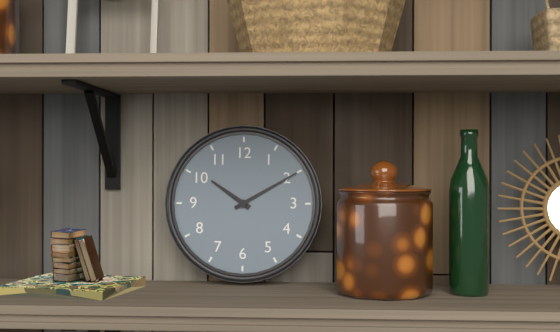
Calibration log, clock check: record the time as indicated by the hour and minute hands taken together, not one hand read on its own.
10:10
